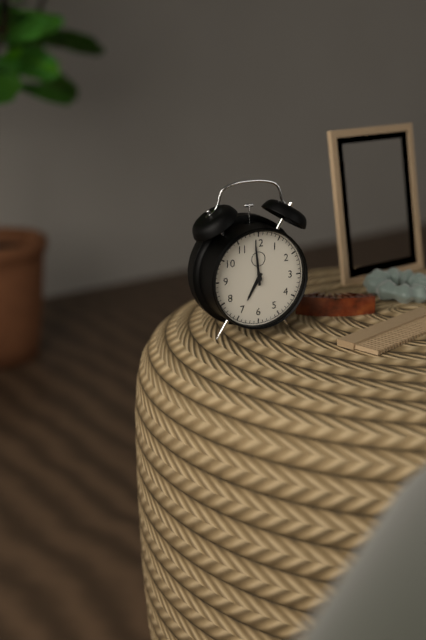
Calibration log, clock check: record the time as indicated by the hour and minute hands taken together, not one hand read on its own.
6:59
